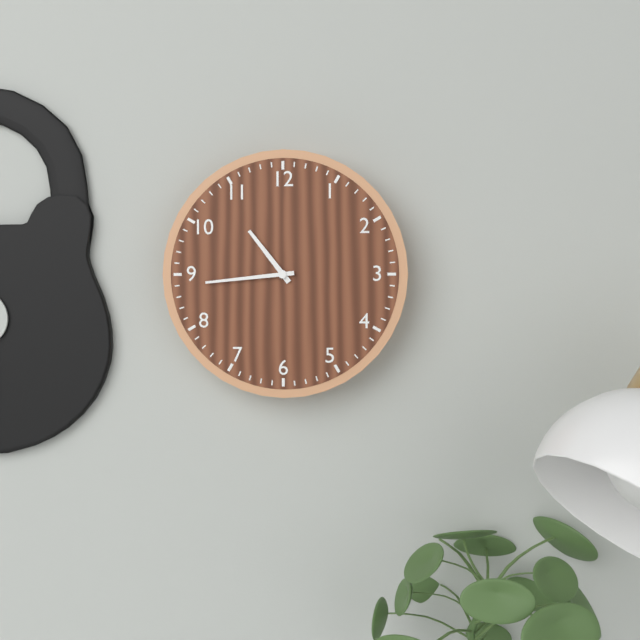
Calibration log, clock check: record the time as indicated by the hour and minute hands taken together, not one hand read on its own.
10:44
